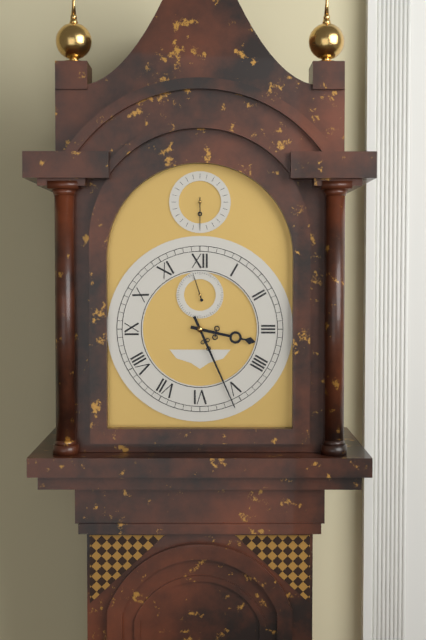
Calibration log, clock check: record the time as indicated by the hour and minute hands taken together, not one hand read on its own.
3:26
